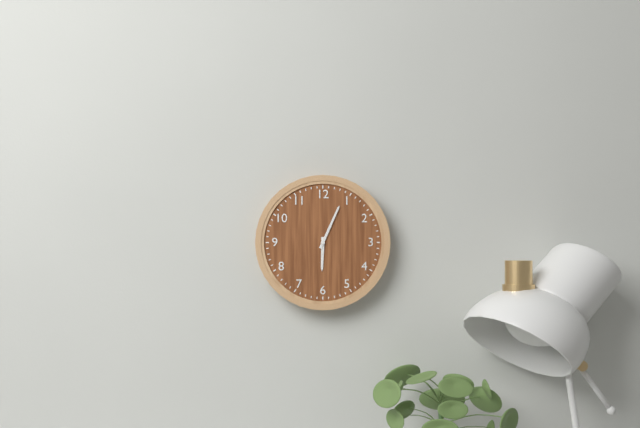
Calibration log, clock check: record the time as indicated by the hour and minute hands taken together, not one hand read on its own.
6:04
